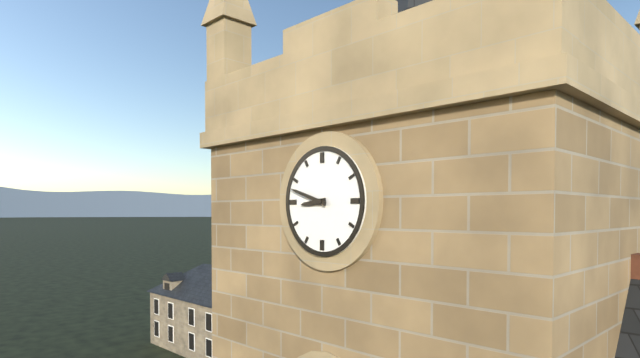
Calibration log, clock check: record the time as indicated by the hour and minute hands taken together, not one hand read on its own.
8:48
